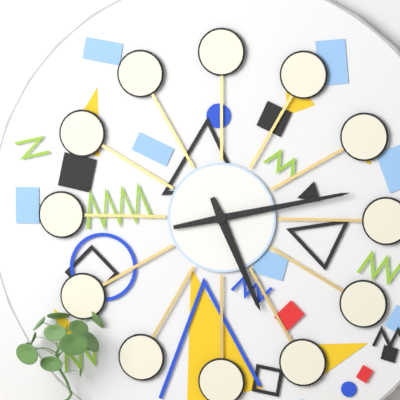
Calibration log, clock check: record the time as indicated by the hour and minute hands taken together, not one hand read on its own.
5:13
